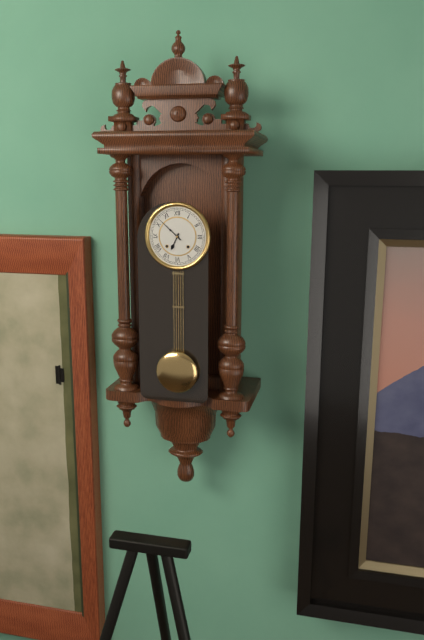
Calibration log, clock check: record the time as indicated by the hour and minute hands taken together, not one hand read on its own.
6:52
